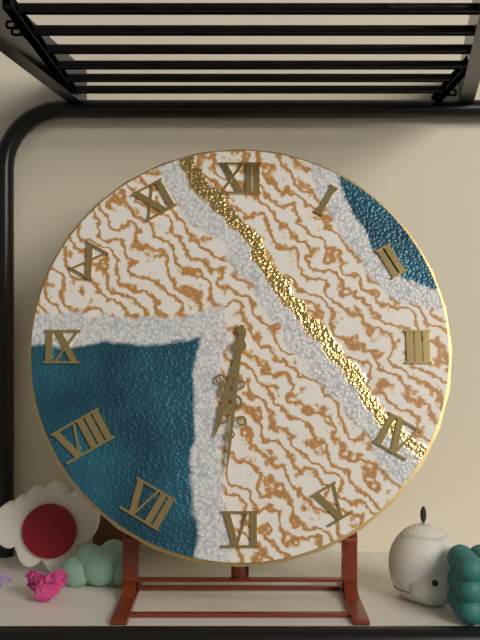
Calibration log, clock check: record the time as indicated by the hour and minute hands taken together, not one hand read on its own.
6:31
